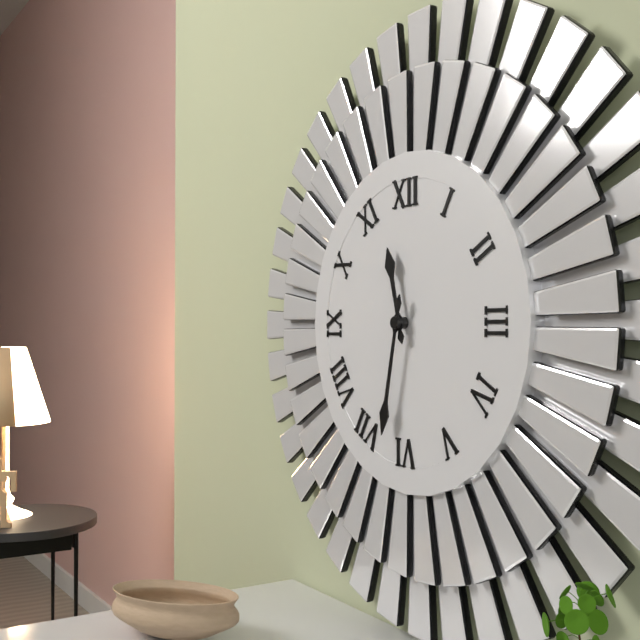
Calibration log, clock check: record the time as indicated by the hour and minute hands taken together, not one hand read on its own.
11:32
